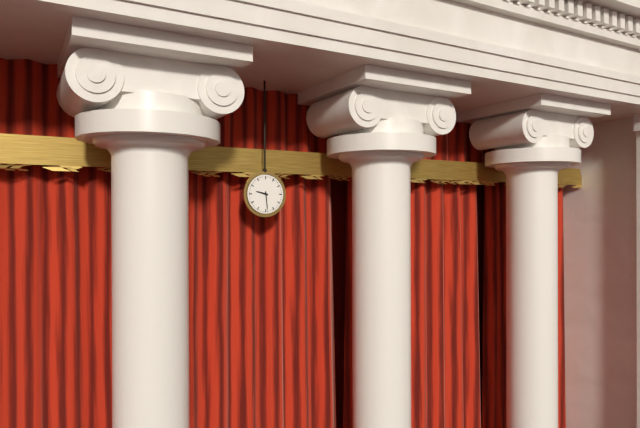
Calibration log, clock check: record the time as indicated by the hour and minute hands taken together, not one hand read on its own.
9:29
